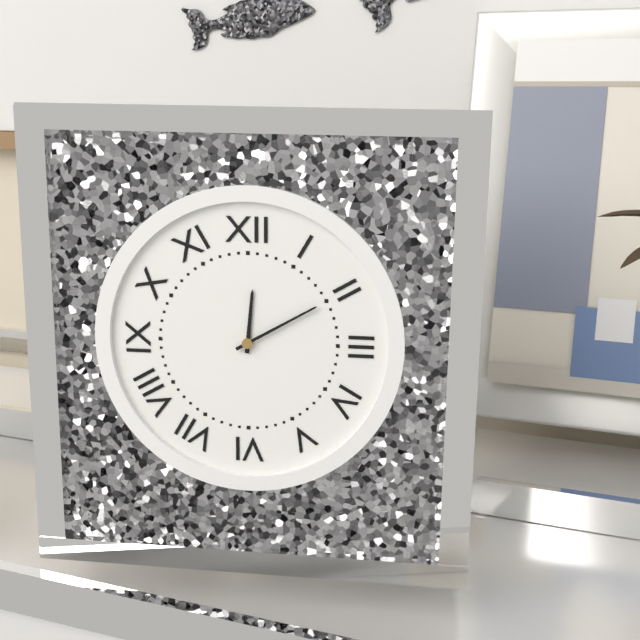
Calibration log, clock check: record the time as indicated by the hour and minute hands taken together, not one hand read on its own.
12:10
